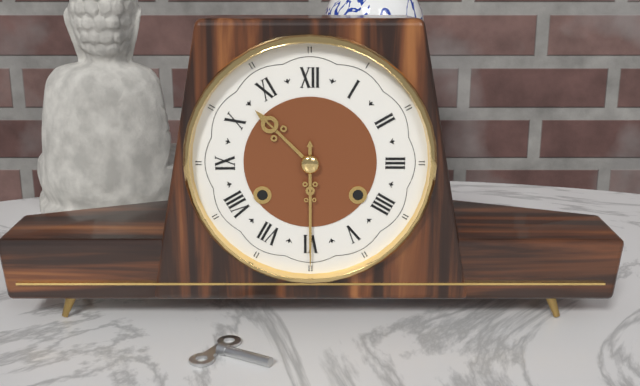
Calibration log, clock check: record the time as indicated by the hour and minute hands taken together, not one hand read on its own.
10:30
